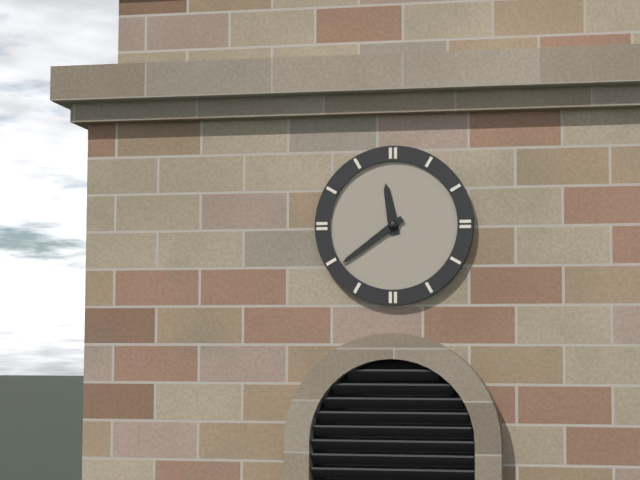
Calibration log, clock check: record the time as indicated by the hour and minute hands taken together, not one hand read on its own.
11:39
